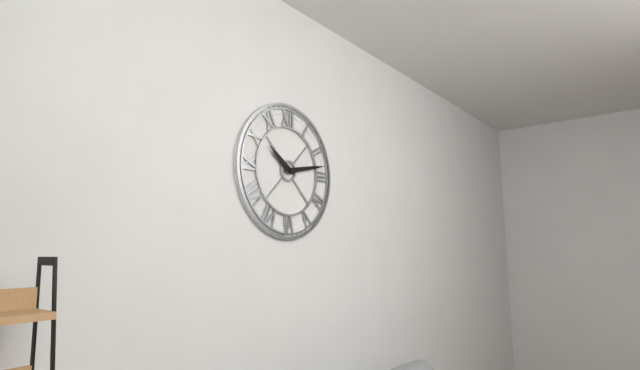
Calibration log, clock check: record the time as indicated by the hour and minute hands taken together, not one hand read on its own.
10:13
